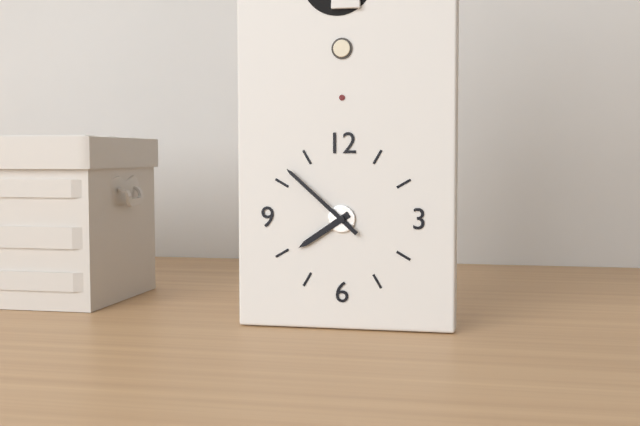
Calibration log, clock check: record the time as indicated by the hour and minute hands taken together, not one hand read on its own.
7:52
